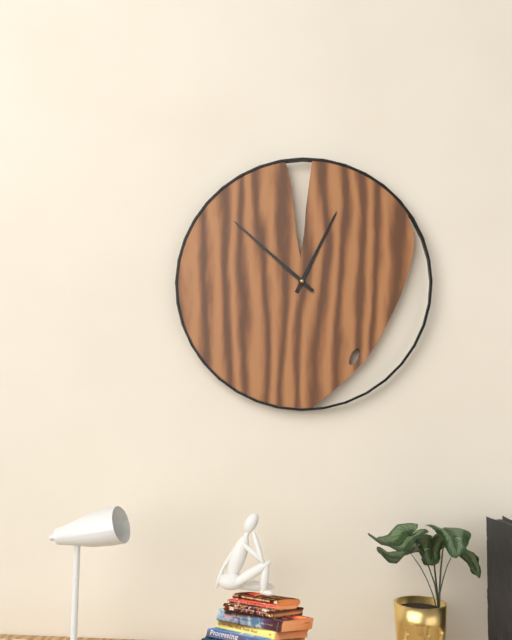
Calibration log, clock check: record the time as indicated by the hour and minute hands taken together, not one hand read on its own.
12:52
